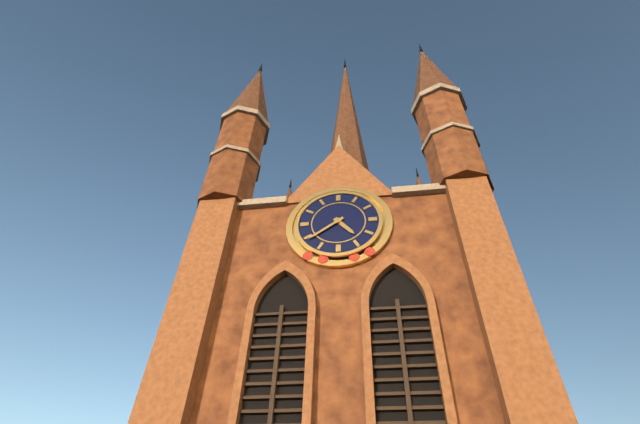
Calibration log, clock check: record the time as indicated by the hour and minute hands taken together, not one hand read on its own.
4:39
